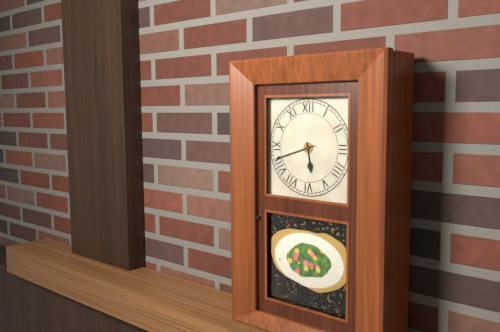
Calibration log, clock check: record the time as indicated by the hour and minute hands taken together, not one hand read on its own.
5:42
